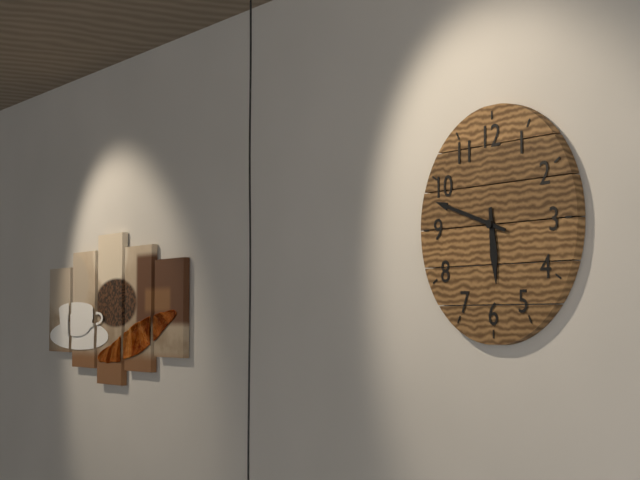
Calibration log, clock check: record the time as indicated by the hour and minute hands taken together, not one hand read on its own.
5:48
